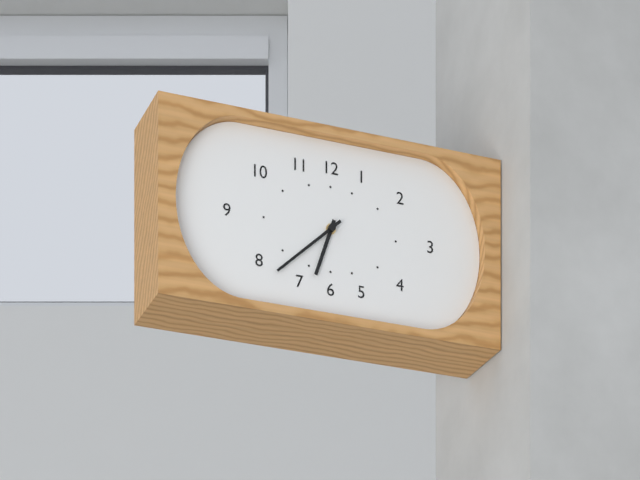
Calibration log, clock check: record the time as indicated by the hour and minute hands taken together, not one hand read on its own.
6:38
